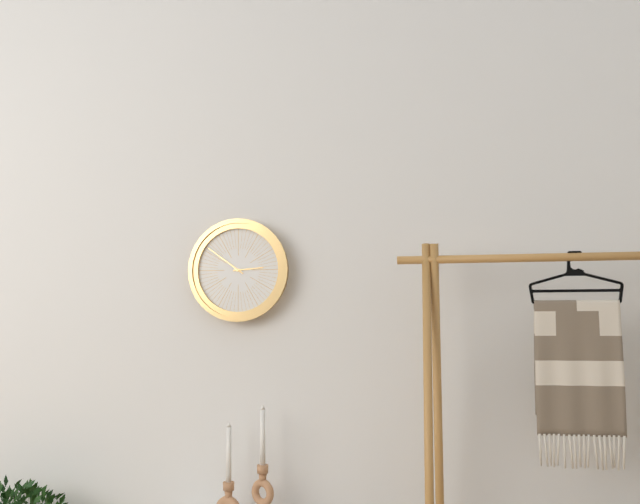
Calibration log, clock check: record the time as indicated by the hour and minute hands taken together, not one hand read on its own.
2:51
